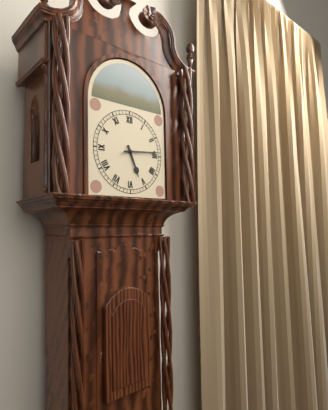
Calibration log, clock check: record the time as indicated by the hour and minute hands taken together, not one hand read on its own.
5:14
